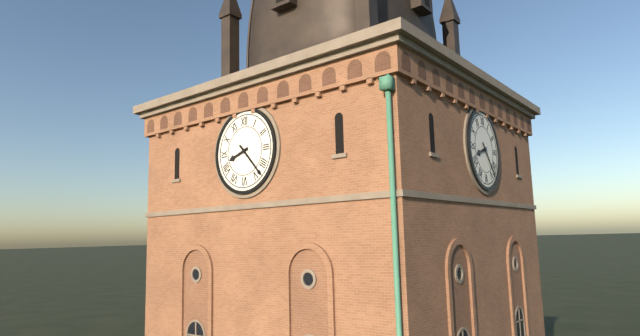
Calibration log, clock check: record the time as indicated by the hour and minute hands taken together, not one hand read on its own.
8:23
